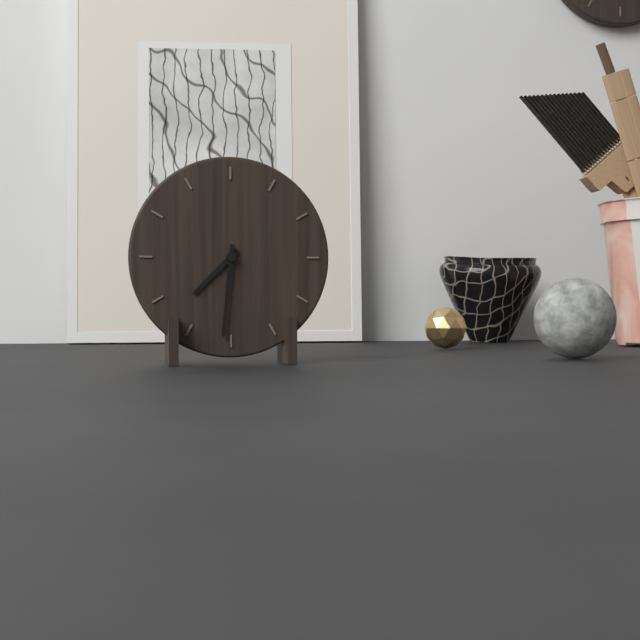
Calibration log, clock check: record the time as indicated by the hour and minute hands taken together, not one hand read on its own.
7:31
